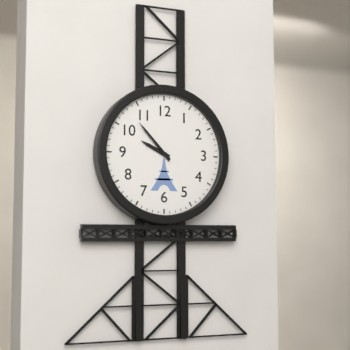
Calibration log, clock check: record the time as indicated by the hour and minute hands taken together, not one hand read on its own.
9:53
